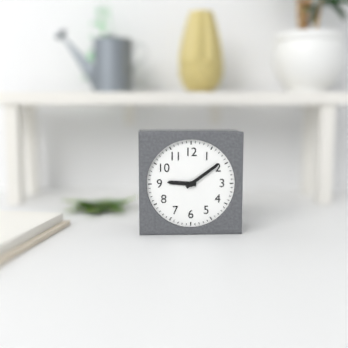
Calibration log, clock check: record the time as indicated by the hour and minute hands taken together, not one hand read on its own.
9:09
